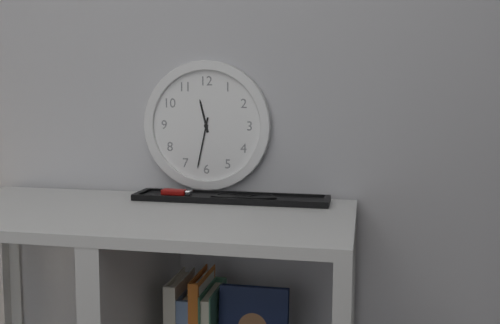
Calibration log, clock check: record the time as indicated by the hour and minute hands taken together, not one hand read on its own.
11:32
